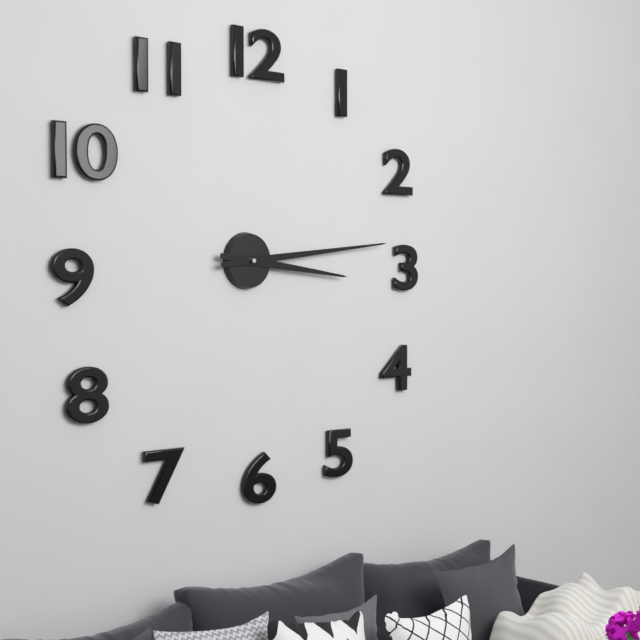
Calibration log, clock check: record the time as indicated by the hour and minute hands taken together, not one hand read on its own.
3:14
